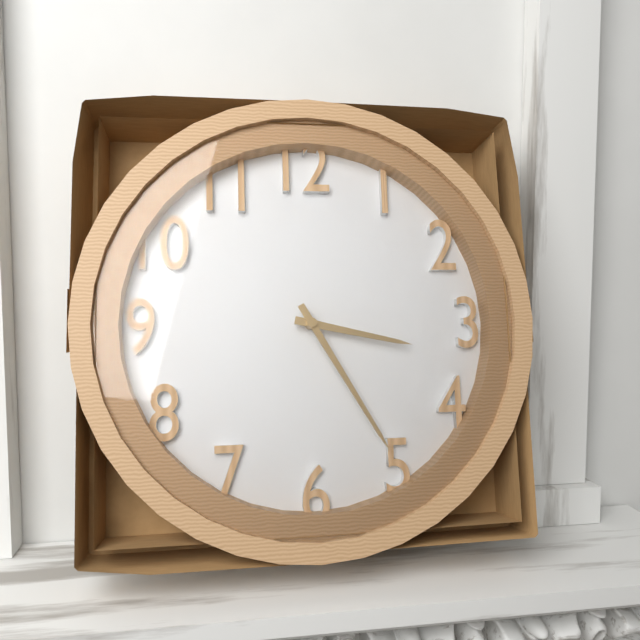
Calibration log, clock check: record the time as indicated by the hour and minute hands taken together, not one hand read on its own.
3:25
